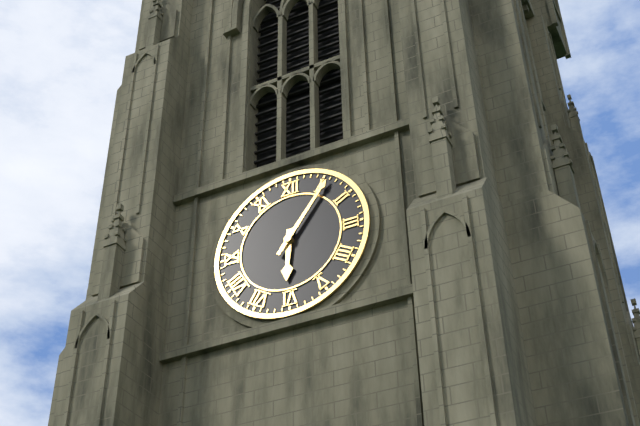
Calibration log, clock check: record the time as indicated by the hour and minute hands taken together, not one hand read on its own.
6:06
